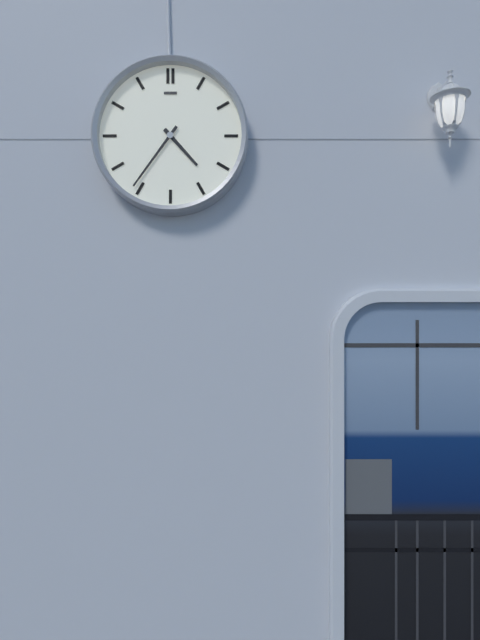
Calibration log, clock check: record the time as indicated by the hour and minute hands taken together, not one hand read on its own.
4:36
